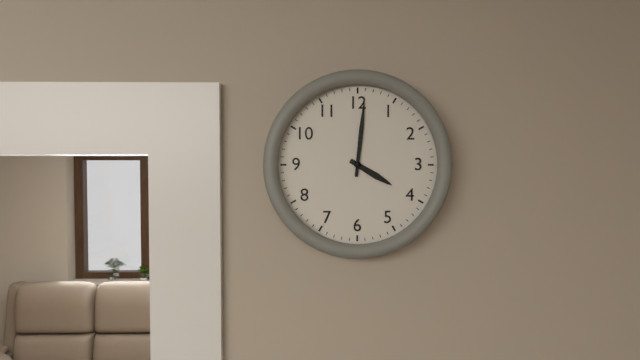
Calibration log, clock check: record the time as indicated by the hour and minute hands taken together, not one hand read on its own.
4:01
